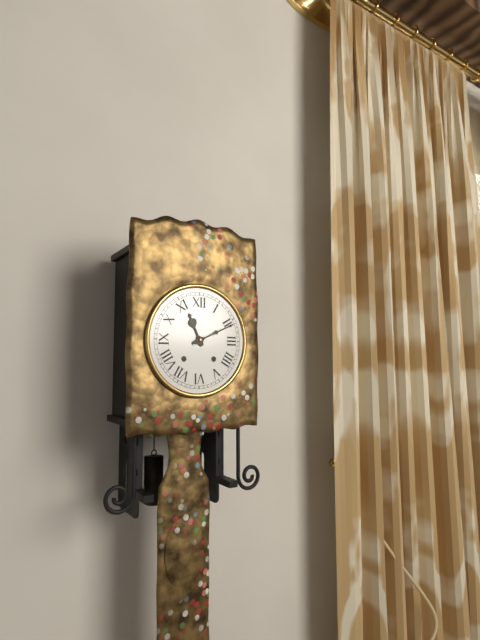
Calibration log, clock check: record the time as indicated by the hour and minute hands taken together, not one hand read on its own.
11:11
